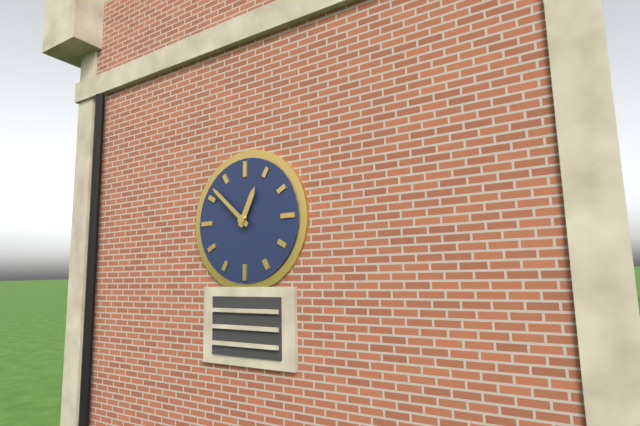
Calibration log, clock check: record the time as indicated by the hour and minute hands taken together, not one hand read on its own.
12:52
